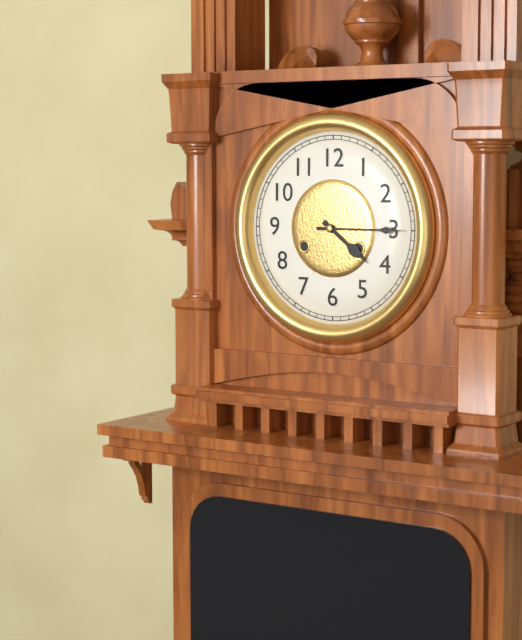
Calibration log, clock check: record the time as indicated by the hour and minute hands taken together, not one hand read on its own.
4:15
